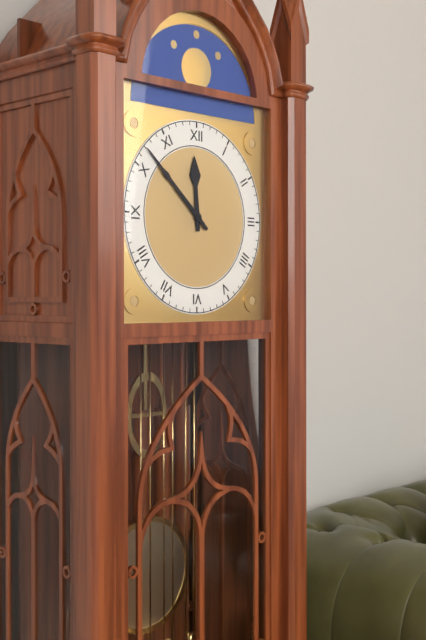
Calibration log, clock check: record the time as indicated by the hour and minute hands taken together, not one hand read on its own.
11:52
